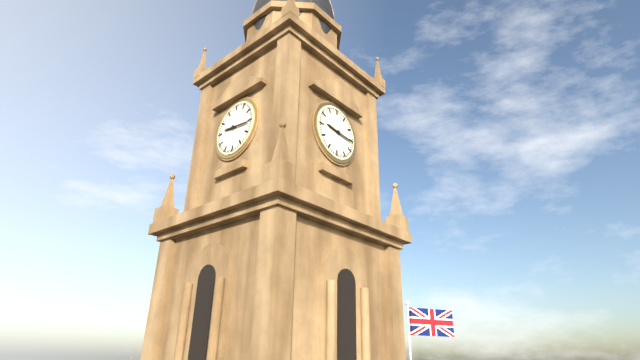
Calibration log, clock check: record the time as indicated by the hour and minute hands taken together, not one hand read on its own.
9:16
